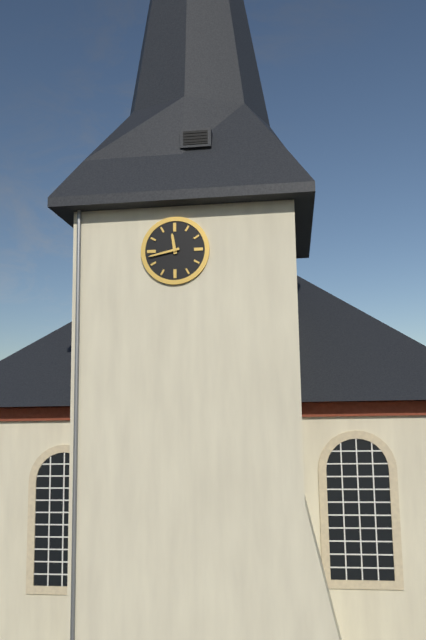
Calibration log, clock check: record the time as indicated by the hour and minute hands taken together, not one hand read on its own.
11:43
